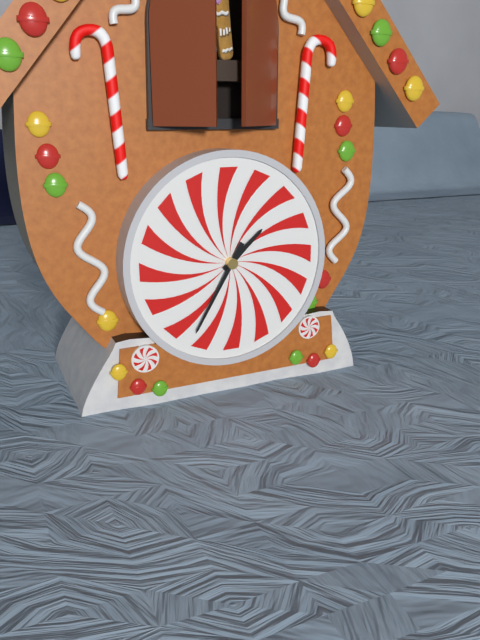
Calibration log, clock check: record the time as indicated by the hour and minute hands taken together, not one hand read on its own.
1:35
